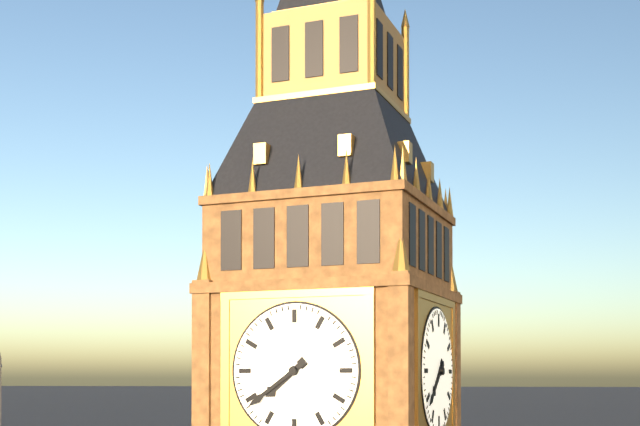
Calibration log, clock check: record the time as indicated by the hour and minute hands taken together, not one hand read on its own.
7:39
